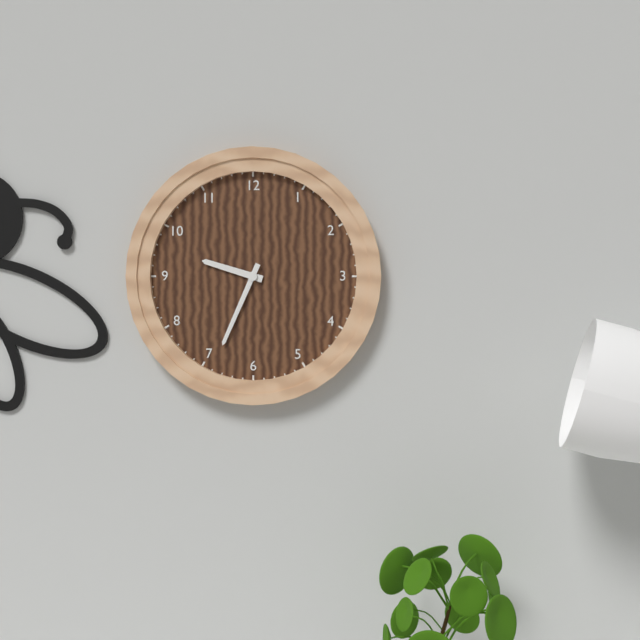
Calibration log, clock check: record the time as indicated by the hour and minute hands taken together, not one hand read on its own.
9:34
